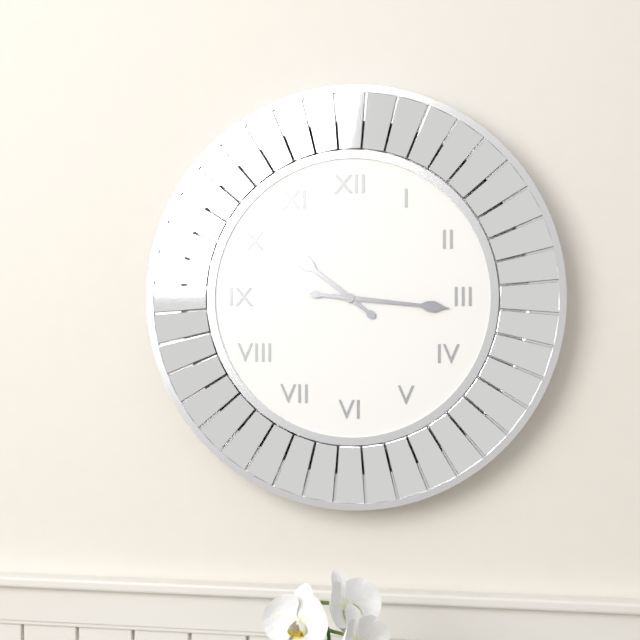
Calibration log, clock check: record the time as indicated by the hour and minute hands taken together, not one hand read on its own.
10:16
